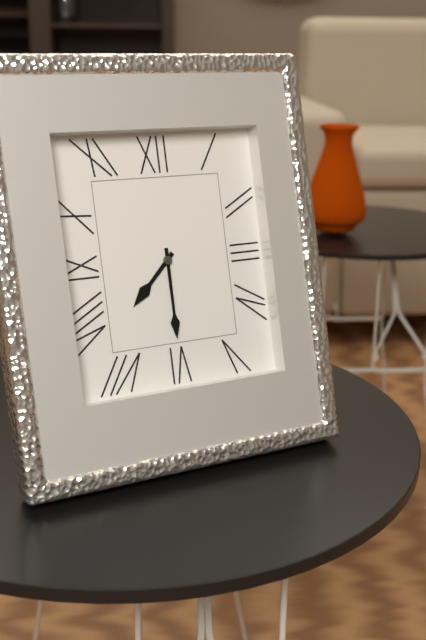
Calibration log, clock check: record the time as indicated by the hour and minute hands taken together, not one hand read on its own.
7:30
